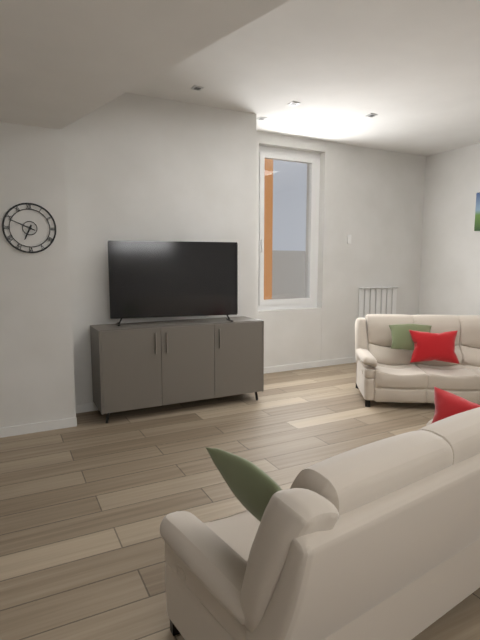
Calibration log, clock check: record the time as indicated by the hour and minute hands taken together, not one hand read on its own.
6:49
